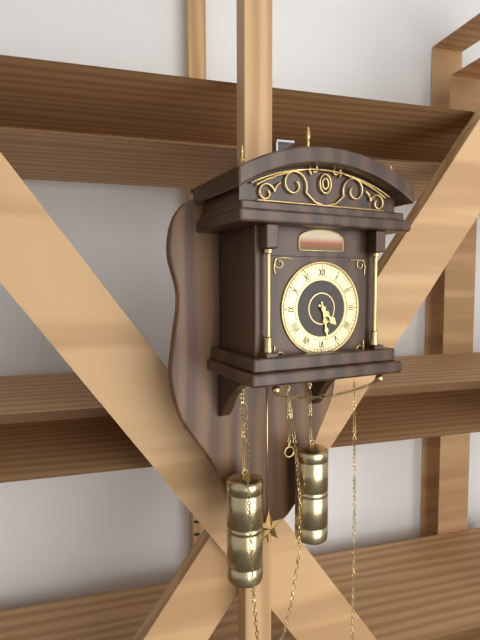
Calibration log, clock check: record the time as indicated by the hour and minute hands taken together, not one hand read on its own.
4:28
